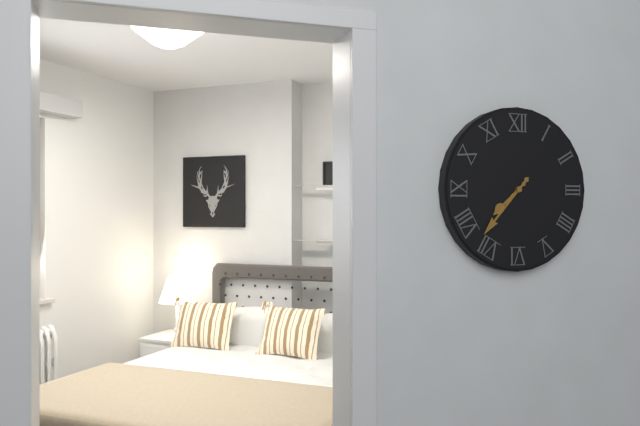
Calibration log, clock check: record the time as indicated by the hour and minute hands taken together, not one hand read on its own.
7:37
